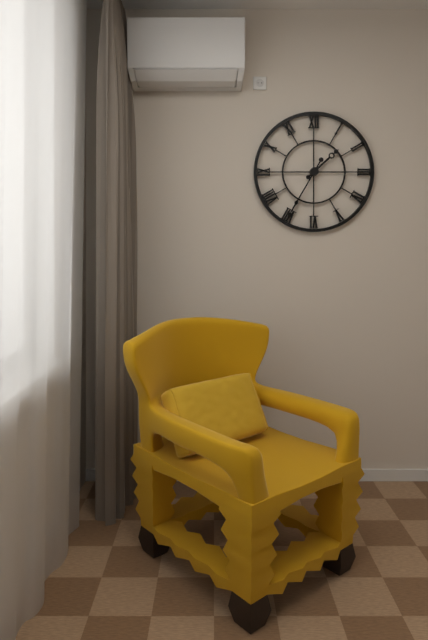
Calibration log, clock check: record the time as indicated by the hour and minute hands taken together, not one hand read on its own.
1:35
